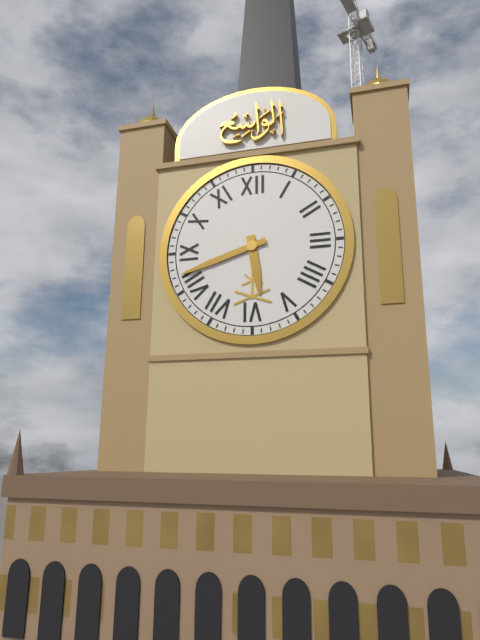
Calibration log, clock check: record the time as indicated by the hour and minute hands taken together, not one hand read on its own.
5:42
